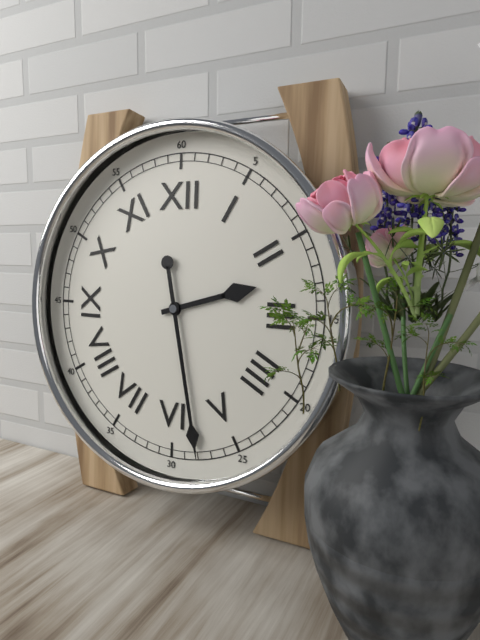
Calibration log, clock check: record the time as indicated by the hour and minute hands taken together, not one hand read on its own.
2:28
